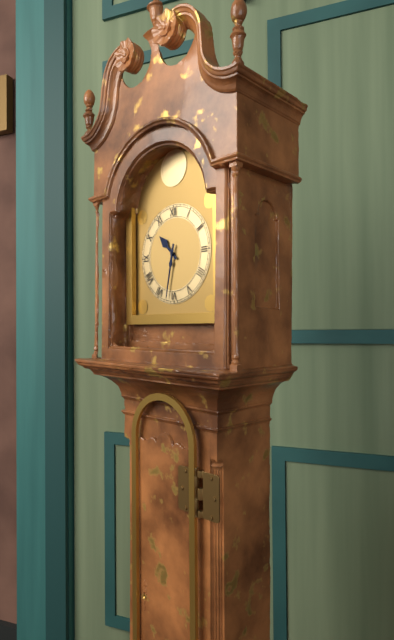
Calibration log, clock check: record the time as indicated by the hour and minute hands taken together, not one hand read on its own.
10:32
